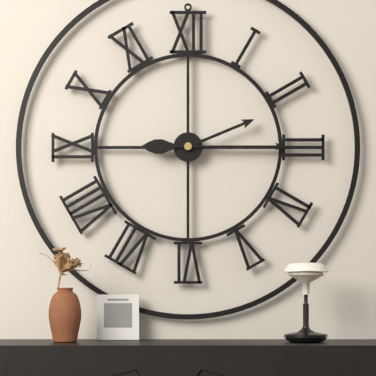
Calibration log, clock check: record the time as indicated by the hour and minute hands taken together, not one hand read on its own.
2:15
